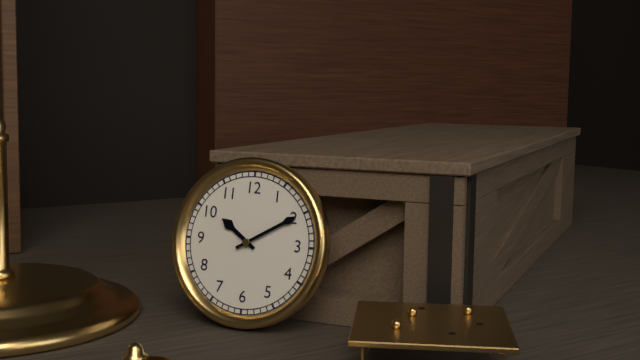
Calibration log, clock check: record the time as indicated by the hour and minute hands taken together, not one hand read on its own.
10:10
